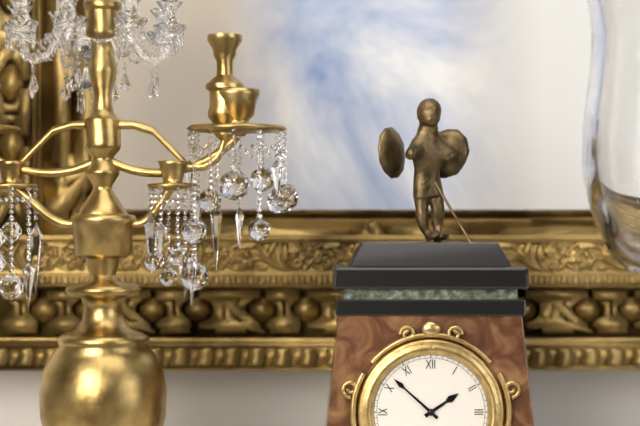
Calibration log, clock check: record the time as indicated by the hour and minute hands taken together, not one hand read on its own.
1:52
